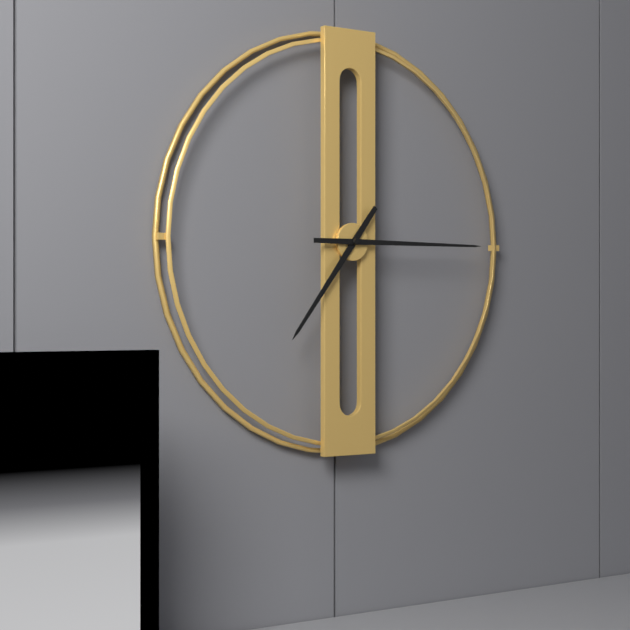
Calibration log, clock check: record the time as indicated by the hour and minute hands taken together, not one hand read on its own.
7:15
